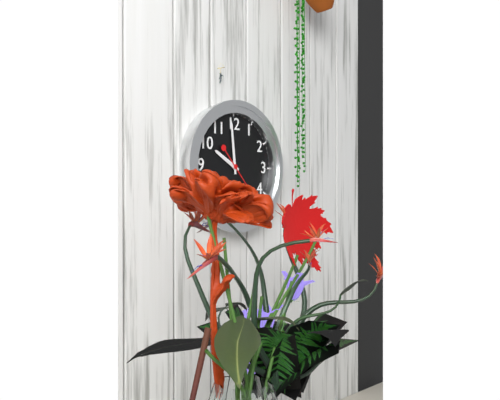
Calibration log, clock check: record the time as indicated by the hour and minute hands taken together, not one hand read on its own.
9:59
